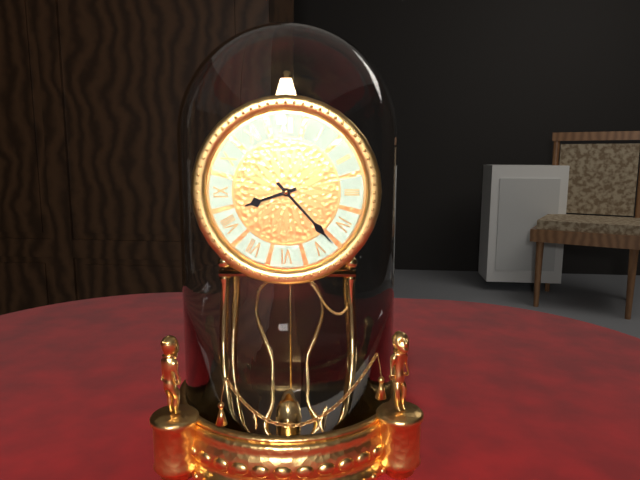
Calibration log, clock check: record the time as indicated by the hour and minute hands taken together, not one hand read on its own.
8:23
